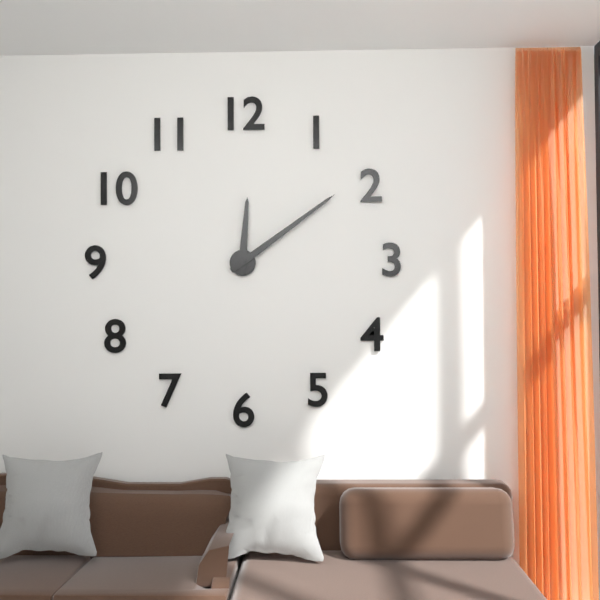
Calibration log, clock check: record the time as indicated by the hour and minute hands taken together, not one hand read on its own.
12:09
